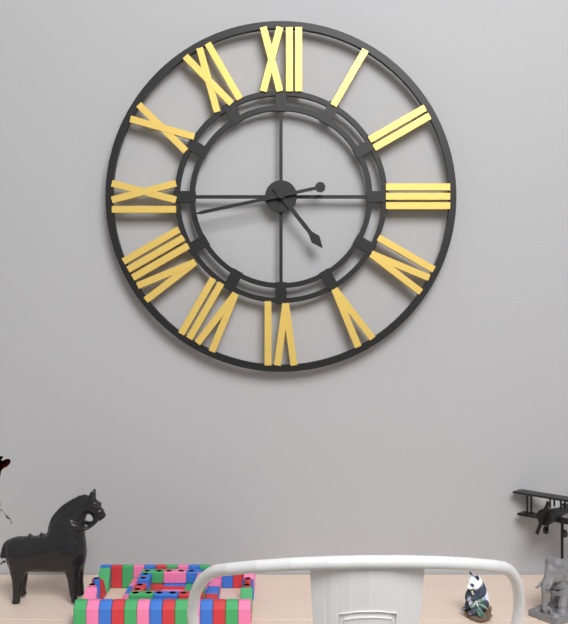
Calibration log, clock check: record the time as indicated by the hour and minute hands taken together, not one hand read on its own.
4:43
